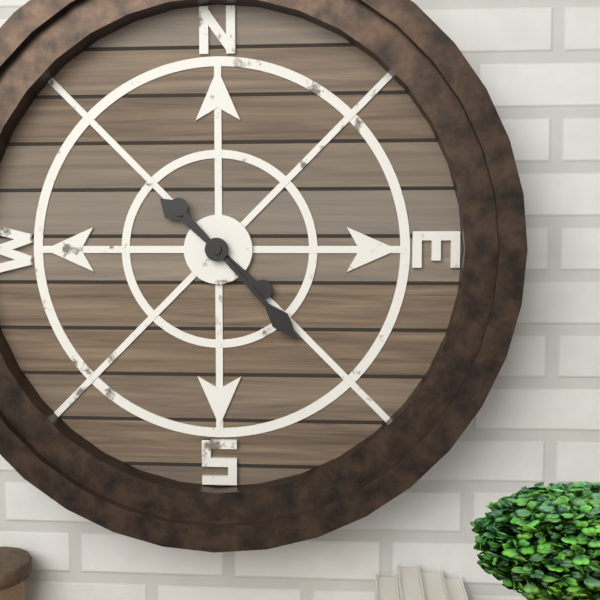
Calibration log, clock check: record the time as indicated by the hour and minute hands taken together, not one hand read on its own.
10:23
